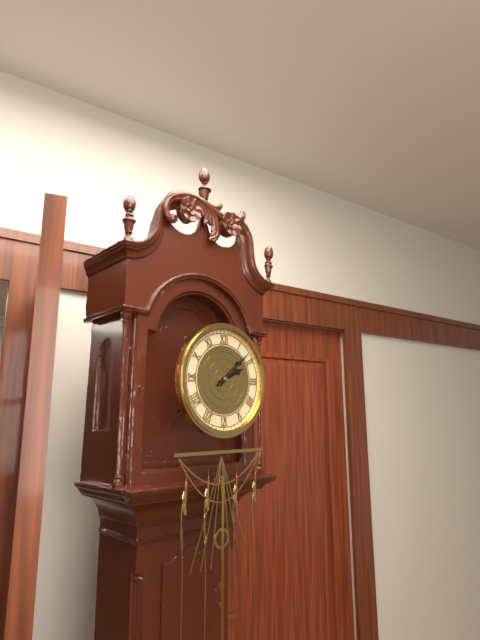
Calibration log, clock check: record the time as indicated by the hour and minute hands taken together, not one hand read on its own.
2:08
